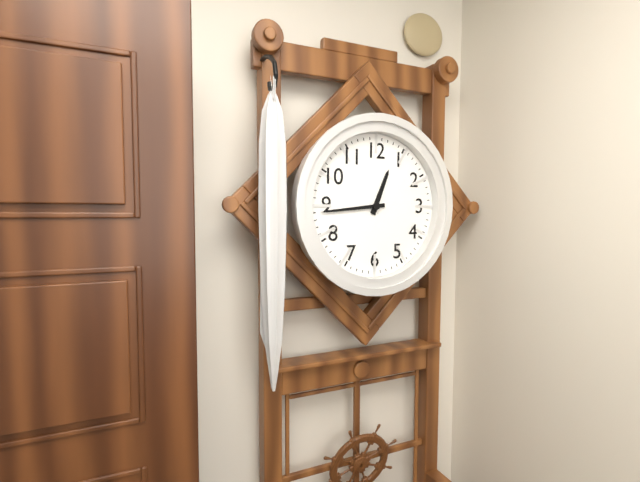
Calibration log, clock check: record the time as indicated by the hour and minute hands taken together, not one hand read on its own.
12:44
